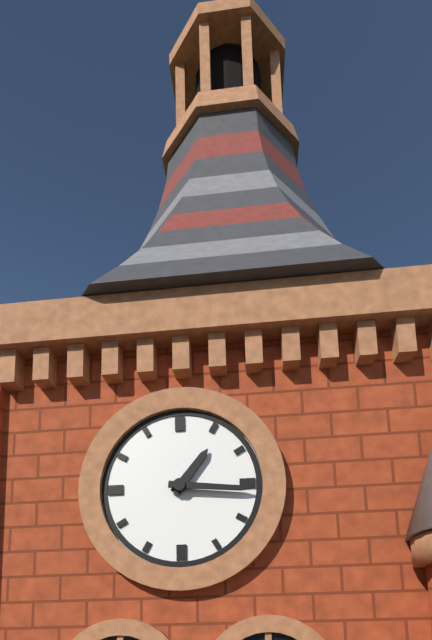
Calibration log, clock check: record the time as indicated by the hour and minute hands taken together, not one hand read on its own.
1:16
